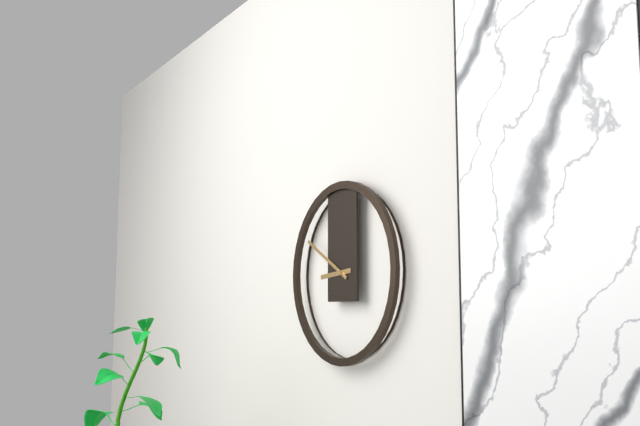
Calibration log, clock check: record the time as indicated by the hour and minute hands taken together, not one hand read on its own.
8:50
